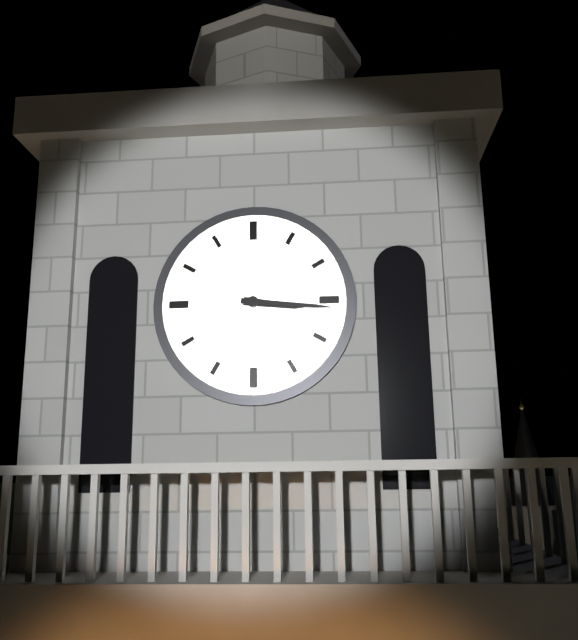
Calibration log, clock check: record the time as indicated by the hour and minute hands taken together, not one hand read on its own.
3:16
